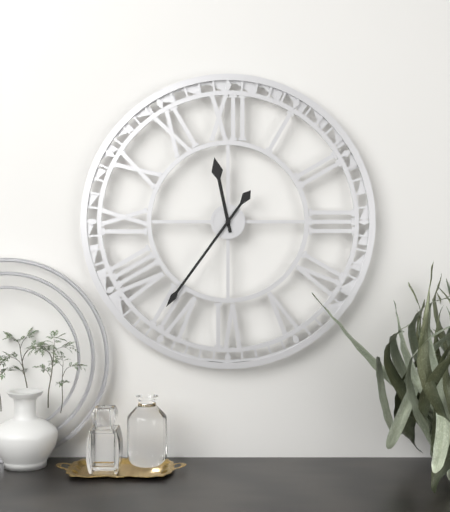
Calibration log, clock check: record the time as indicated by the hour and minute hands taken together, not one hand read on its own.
11:36
